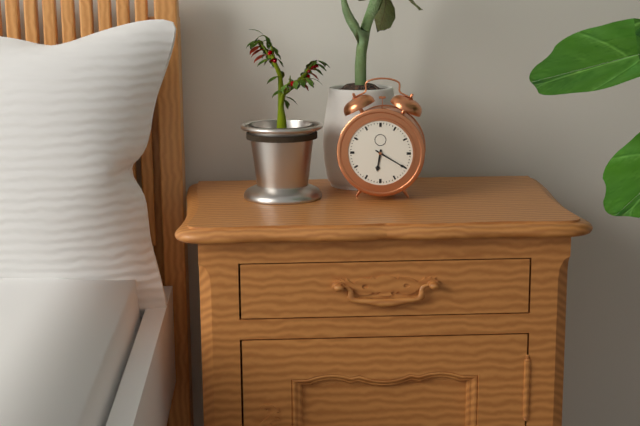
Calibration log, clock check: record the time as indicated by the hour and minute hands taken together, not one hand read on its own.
6:20
